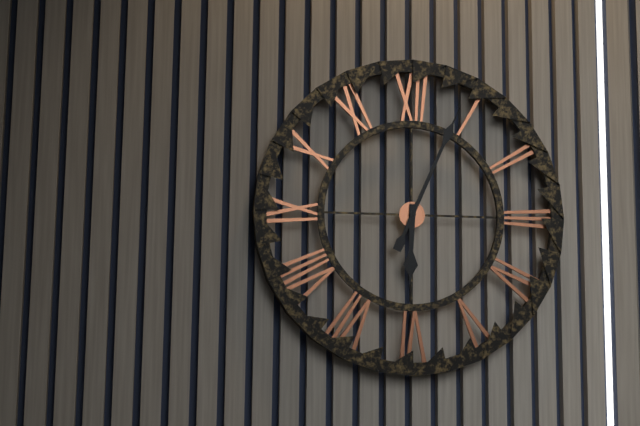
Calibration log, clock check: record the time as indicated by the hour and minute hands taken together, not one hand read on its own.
6:04
